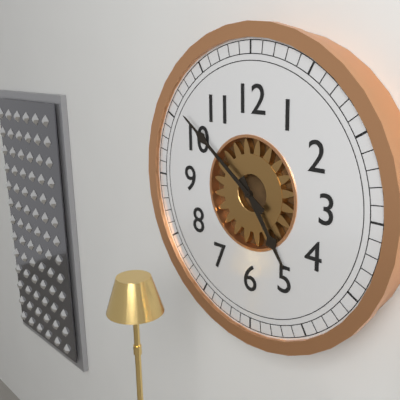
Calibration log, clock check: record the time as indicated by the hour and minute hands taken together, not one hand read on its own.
4:51
